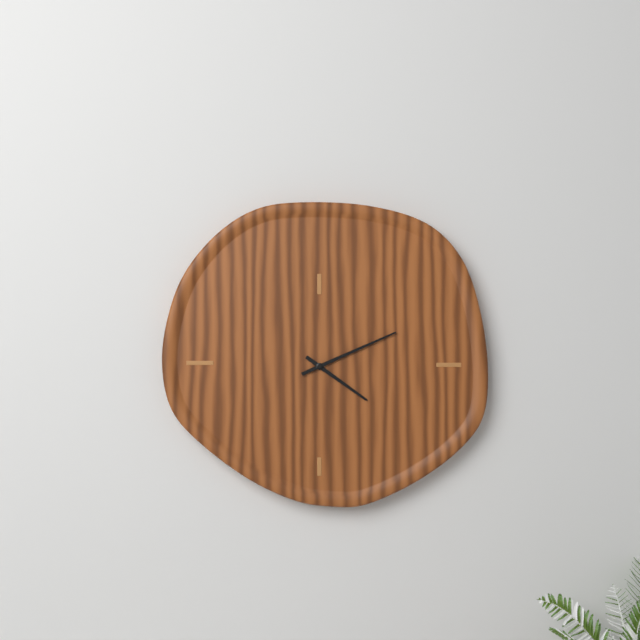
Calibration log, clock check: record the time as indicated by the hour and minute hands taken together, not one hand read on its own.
4:11
